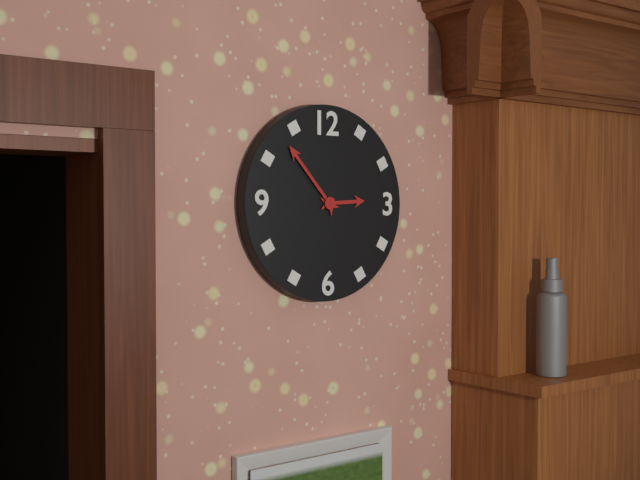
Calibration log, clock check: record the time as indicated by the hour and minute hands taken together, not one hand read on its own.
2:53
